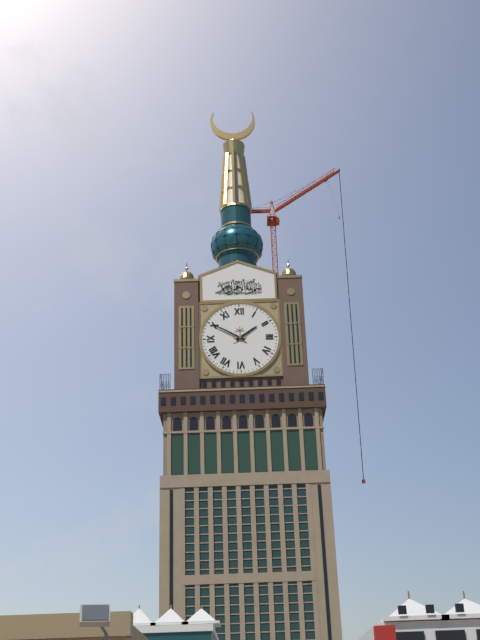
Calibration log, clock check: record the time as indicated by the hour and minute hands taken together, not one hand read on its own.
1:50
